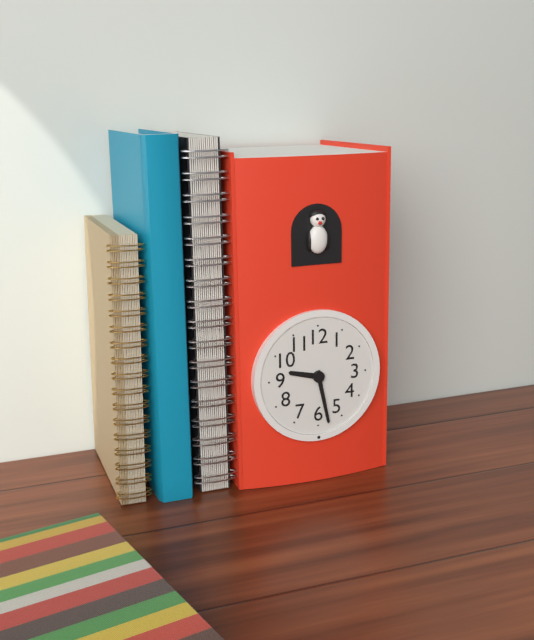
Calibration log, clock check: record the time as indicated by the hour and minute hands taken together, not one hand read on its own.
9:28
